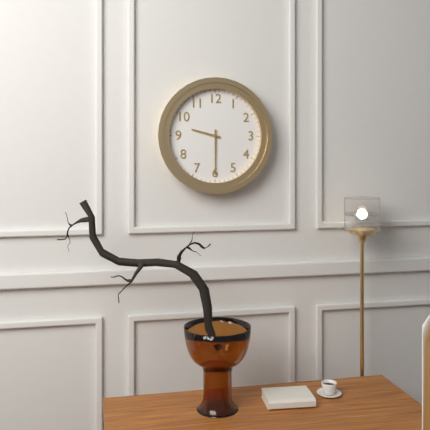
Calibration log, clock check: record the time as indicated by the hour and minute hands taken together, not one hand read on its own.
9:30
